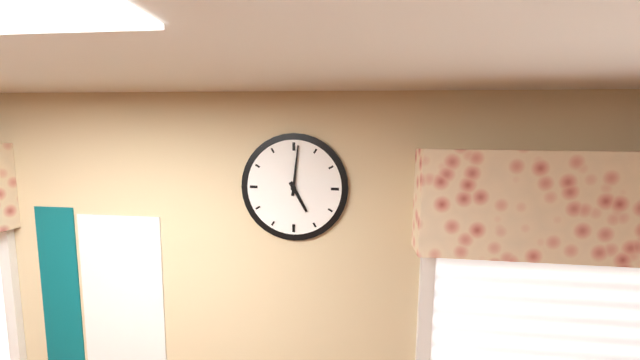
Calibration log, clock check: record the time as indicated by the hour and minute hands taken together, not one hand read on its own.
5:01
